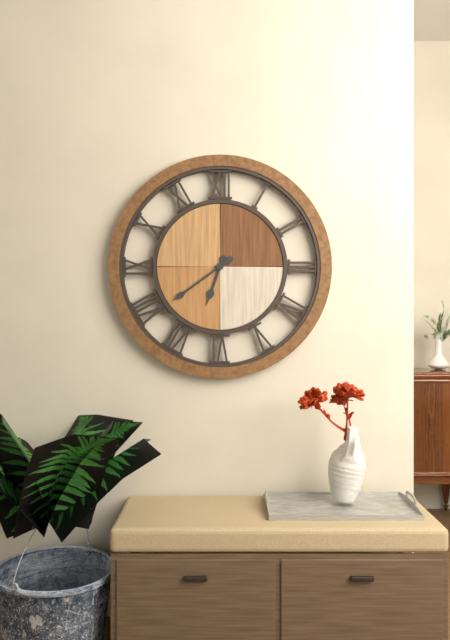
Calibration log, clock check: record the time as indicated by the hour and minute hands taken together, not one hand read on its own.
6:39
